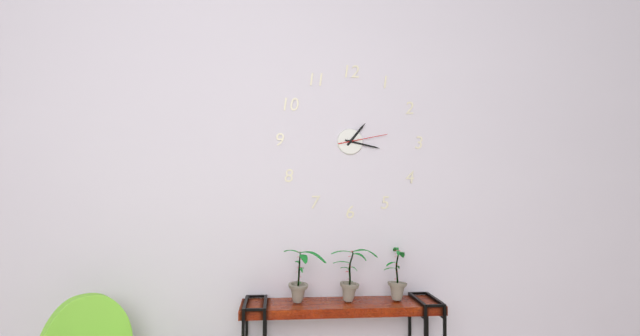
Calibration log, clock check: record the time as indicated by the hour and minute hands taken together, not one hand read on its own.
1:17
